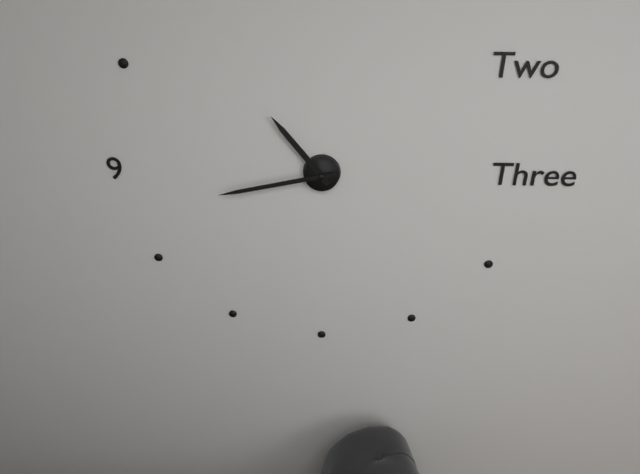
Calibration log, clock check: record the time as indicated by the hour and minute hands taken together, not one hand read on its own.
10:43
